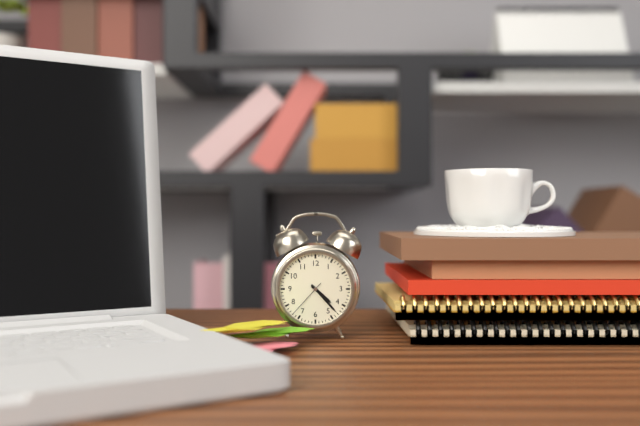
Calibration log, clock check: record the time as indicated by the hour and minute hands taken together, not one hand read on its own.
4:23
